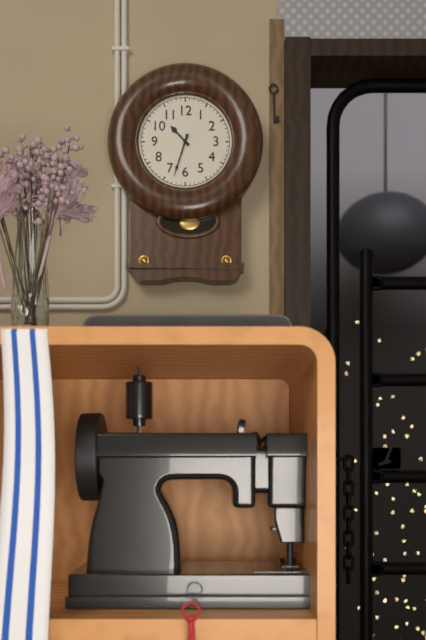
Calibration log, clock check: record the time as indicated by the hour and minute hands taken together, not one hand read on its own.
10:33
